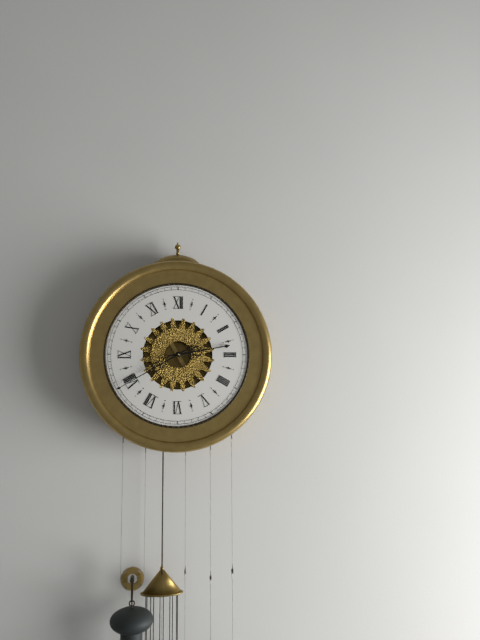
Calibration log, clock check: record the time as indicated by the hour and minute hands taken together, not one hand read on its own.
2:40
